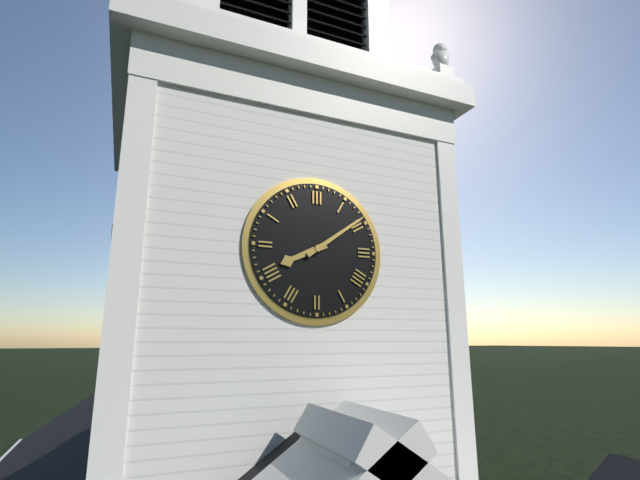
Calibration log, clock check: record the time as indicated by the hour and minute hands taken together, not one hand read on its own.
8:09
